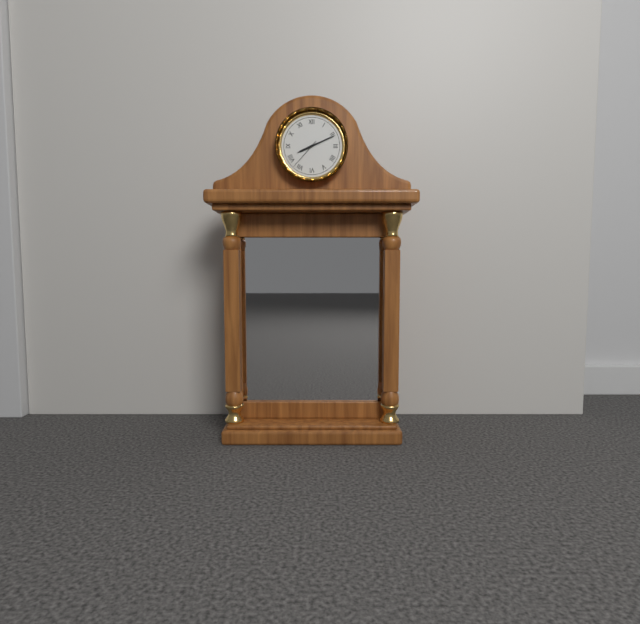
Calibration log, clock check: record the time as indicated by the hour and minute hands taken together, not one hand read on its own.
8:11
